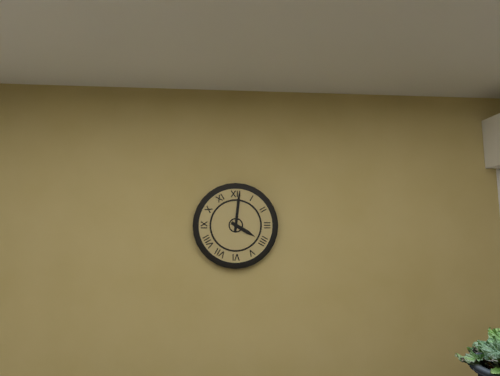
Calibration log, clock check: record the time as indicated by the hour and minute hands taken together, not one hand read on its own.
4:01
